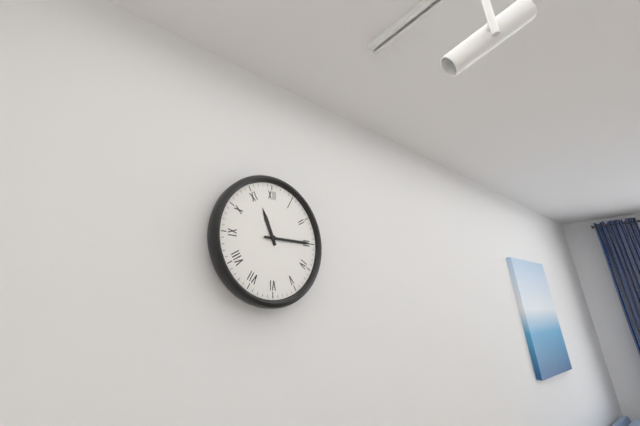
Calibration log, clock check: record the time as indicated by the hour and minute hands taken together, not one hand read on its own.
11:15
